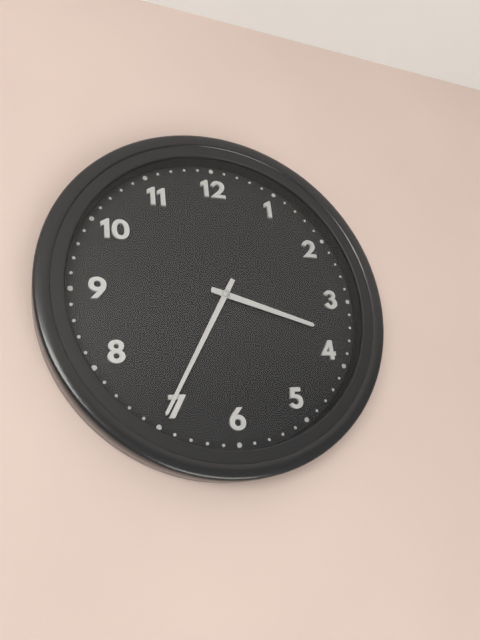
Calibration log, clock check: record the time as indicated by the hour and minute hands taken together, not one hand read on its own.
3:35
